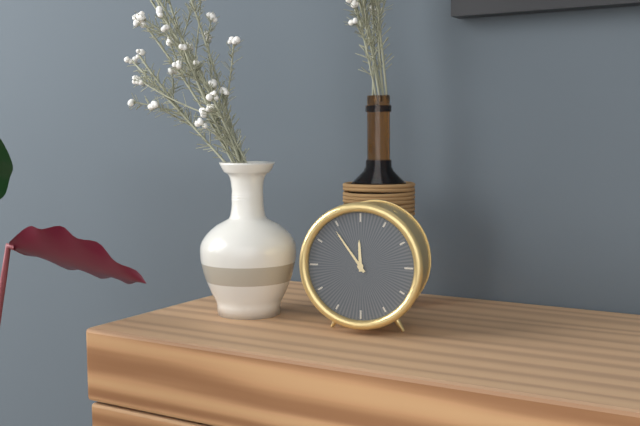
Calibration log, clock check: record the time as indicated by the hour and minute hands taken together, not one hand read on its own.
11:54
